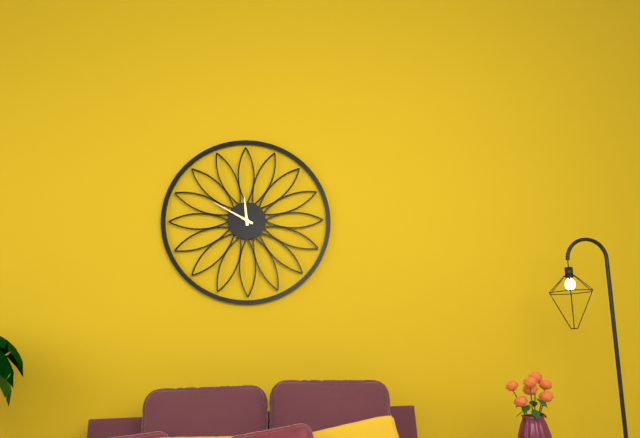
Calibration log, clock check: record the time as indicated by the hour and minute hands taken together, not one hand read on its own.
11:50
